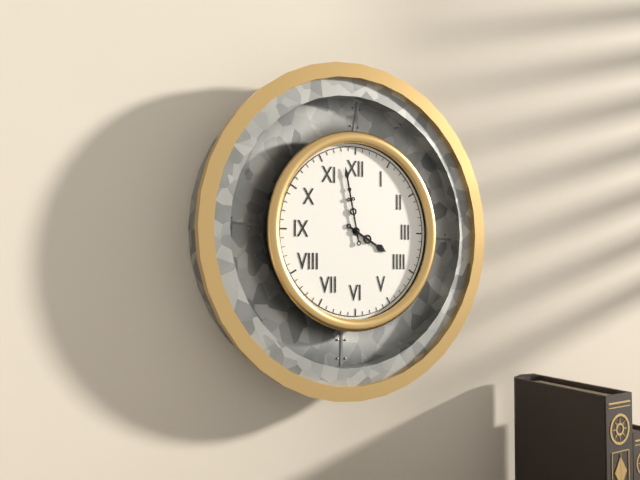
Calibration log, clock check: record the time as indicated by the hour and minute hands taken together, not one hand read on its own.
3:58
